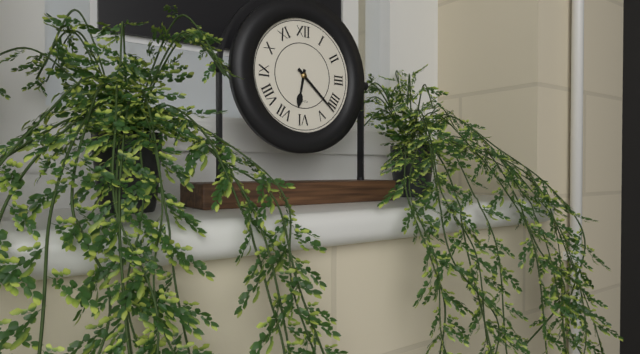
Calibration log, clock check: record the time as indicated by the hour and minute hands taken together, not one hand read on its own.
6:22
